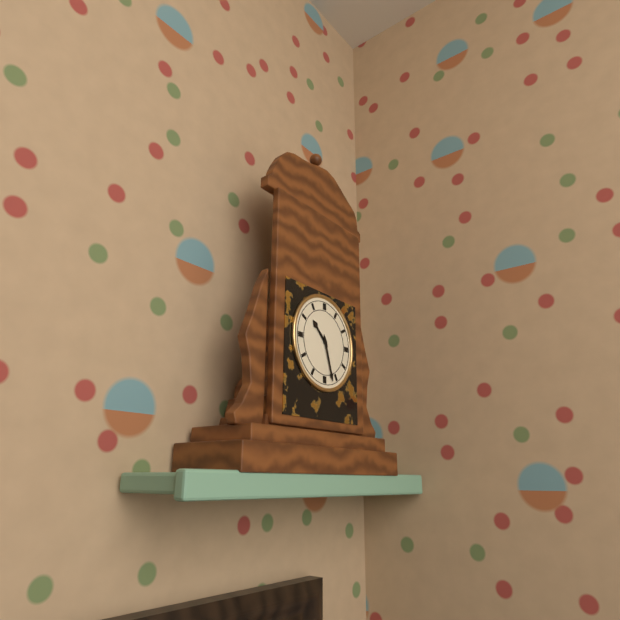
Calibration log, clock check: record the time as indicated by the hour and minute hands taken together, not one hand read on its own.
10:27
